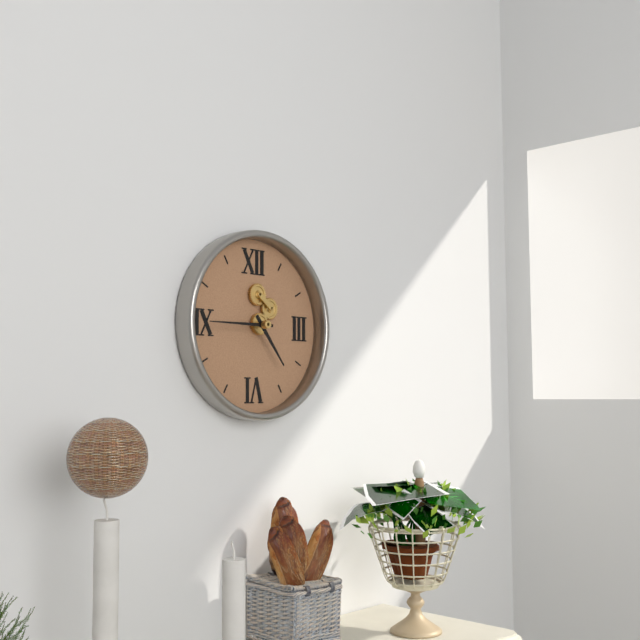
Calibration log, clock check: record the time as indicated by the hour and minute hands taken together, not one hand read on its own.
4:45
